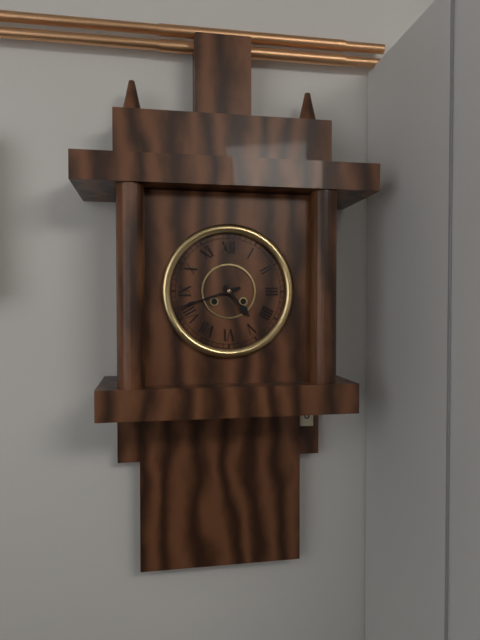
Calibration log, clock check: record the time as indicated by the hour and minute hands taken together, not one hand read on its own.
4:42
